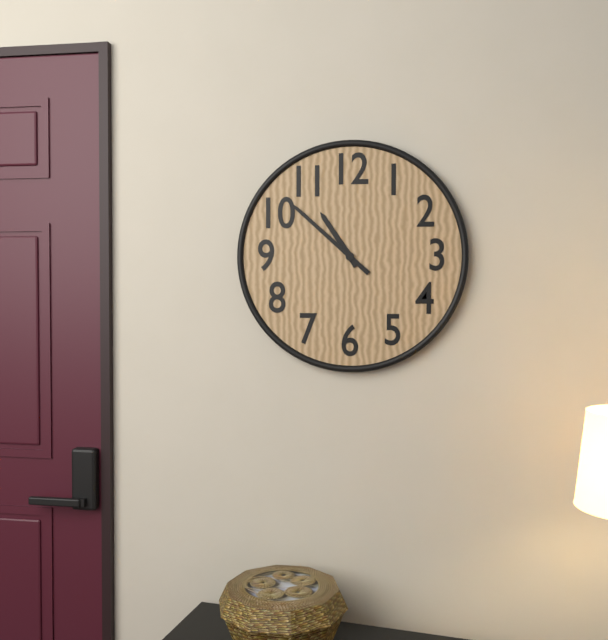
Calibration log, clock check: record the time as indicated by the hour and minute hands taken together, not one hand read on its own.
10:52
